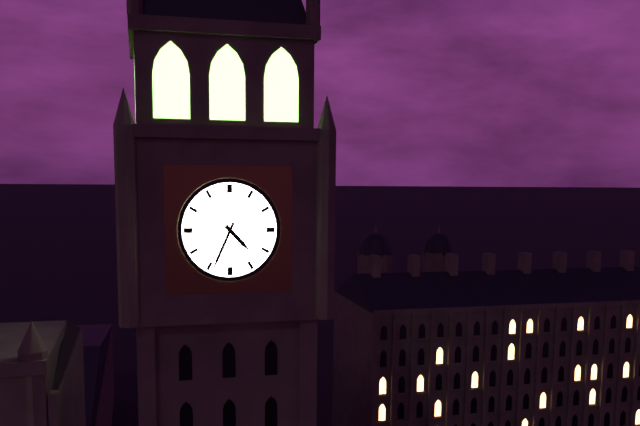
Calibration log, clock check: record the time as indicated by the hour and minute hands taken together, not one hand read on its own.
4:34
